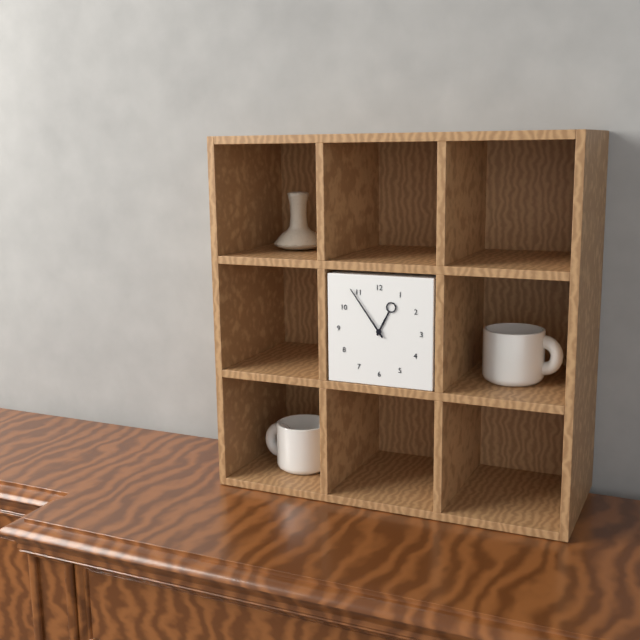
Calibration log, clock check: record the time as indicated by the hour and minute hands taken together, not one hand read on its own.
12:54
